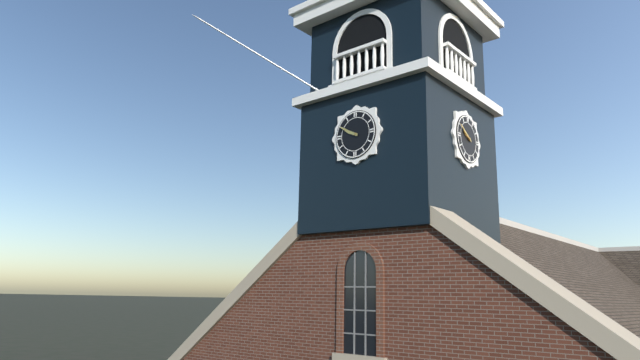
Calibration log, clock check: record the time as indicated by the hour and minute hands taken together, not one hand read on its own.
9:50
